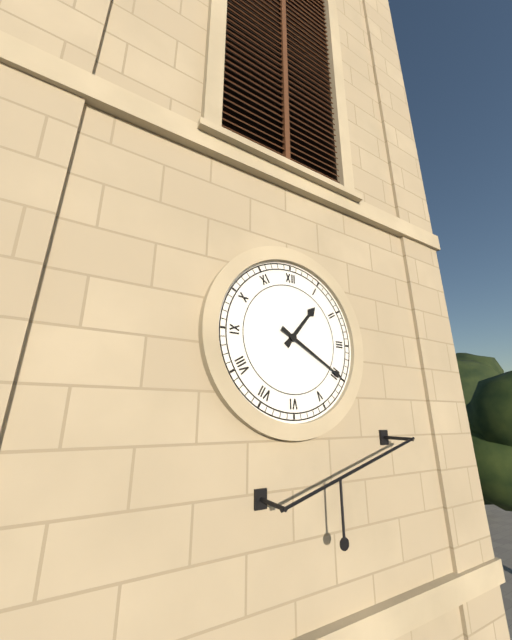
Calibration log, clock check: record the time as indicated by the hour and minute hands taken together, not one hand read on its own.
1:20
